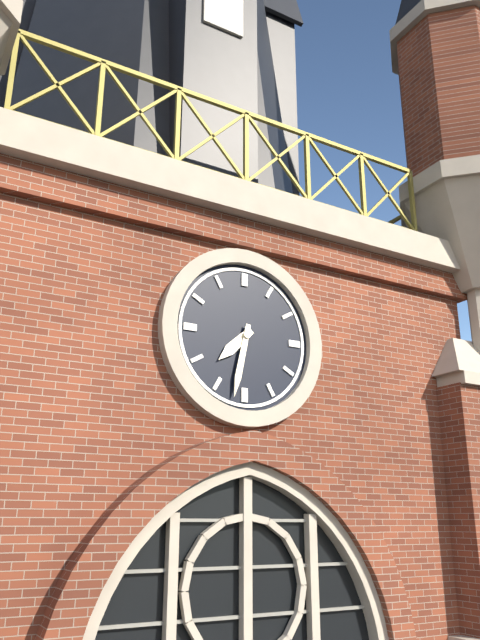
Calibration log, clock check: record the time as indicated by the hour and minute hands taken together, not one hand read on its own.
7:32
